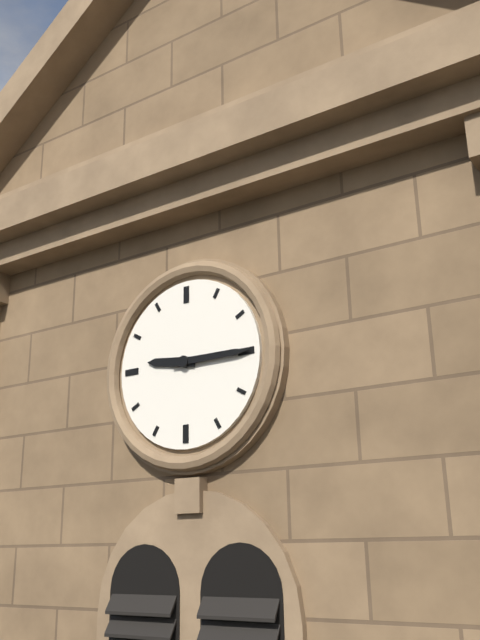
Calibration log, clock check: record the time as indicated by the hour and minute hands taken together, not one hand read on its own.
9:15
